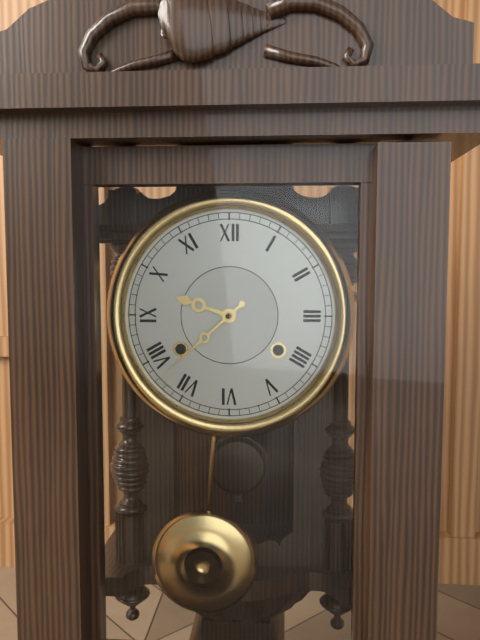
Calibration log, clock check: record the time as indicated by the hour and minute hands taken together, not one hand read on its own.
9:38
